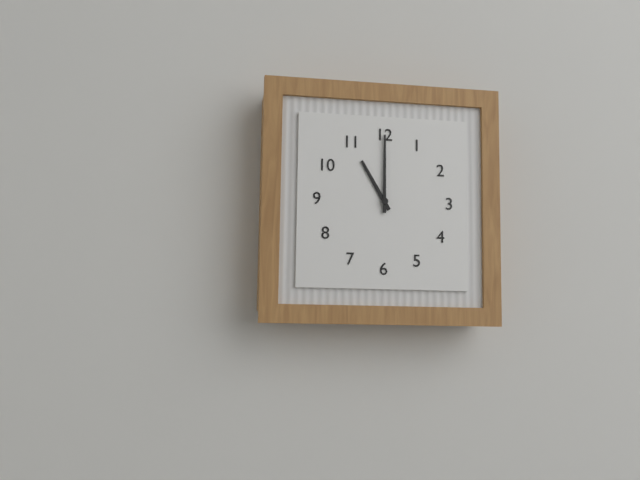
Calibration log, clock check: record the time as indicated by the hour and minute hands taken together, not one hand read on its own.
11:00
